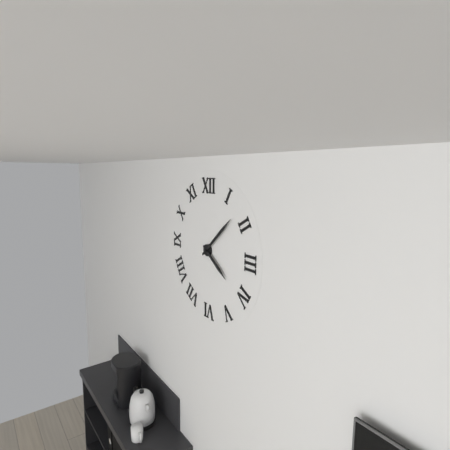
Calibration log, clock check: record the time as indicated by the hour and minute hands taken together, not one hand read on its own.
4:08
